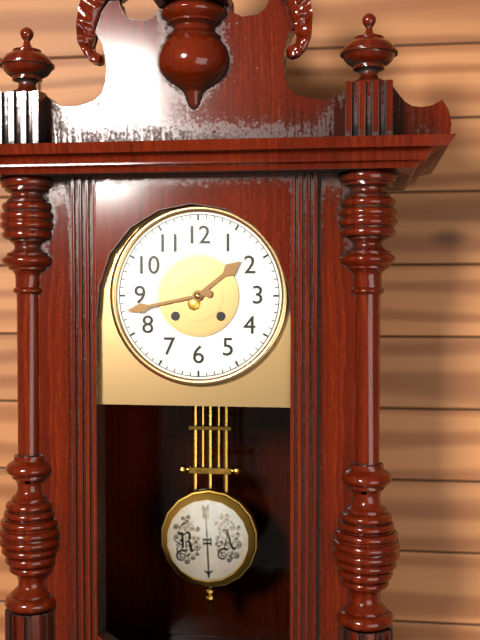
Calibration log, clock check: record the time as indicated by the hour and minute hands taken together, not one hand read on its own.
1:43
